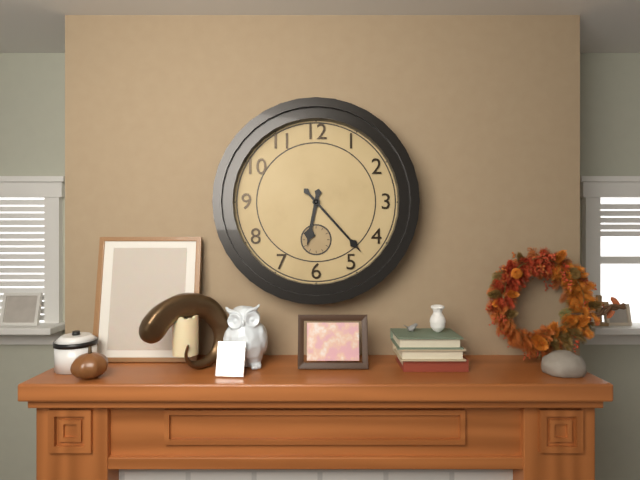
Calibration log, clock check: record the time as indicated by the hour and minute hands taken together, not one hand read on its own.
6:23
